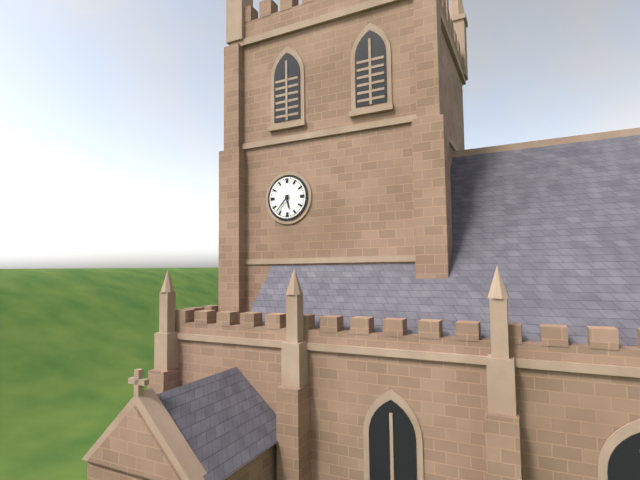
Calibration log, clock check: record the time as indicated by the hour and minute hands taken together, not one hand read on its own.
5:37
